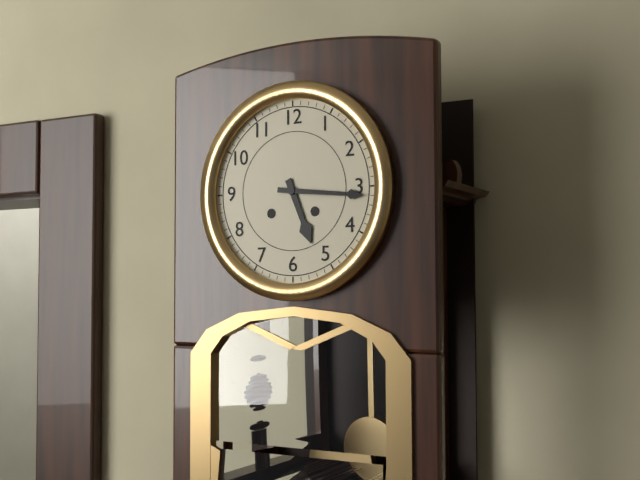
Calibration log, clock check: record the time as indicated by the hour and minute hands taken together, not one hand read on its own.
5:16
